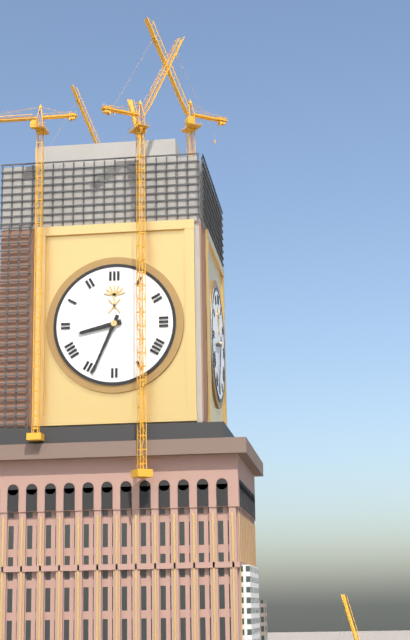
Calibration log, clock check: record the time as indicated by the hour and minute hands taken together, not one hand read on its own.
8:34
